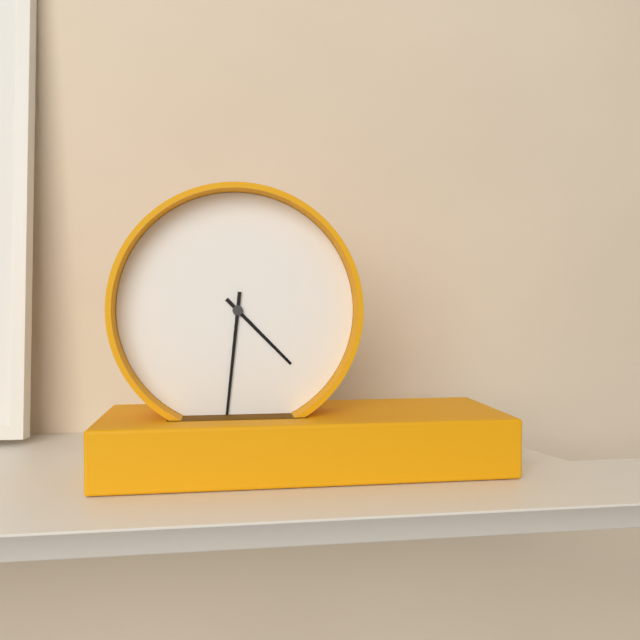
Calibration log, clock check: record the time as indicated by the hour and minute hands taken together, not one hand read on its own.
4:31
